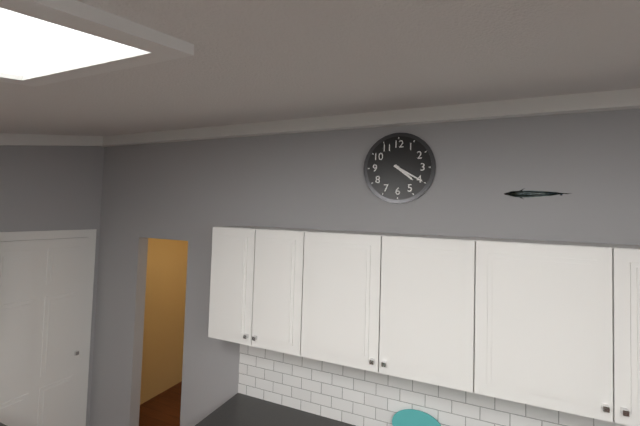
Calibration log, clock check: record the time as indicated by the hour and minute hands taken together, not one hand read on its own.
4:20
